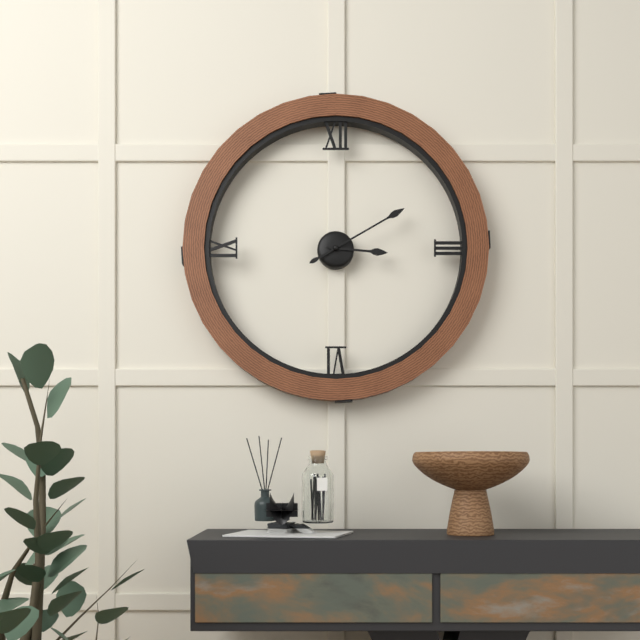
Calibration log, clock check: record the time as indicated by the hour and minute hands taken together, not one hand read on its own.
3:10
